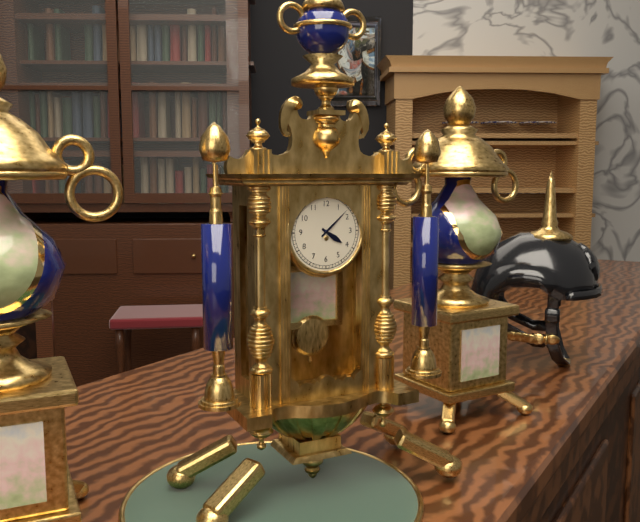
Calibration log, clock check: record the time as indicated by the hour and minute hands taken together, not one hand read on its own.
4:08
